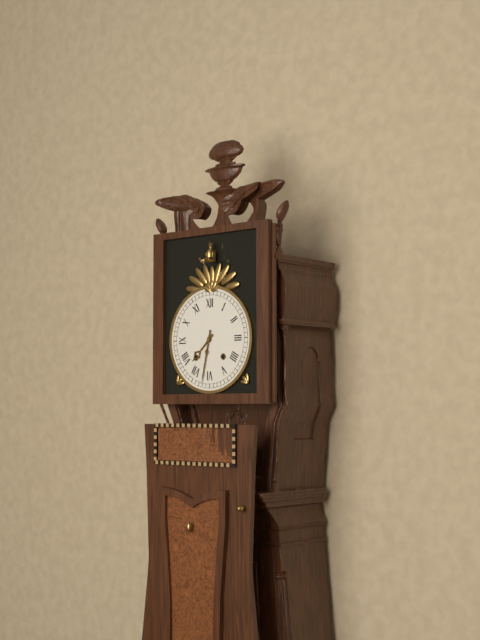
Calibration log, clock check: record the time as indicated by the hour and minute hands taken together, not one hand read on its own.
7:32
